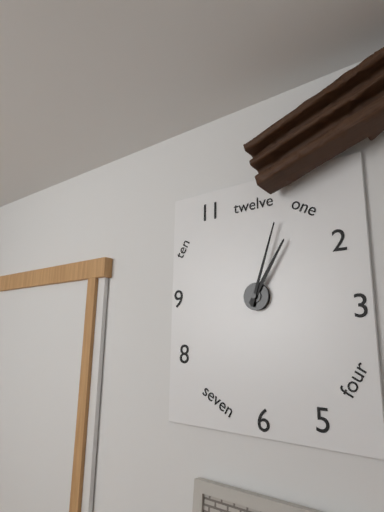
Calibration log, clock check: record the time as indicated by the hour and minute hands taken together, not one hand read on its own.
1:03
